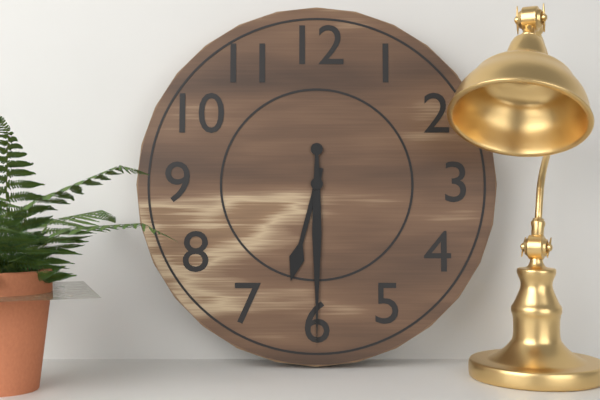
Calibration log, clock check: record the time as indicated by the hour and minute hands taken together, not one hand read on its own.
6:30
